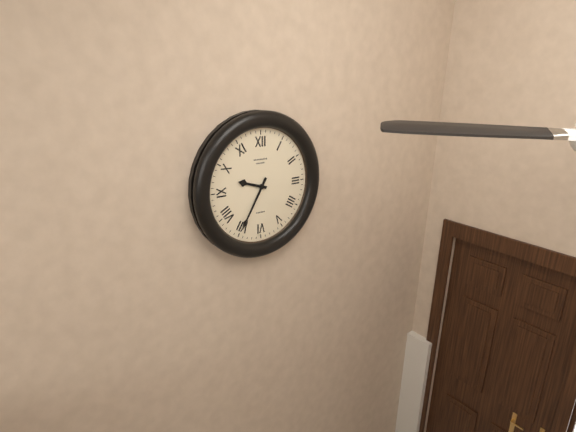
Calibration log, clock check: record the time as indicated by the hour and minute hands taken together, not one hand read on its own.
9:35
